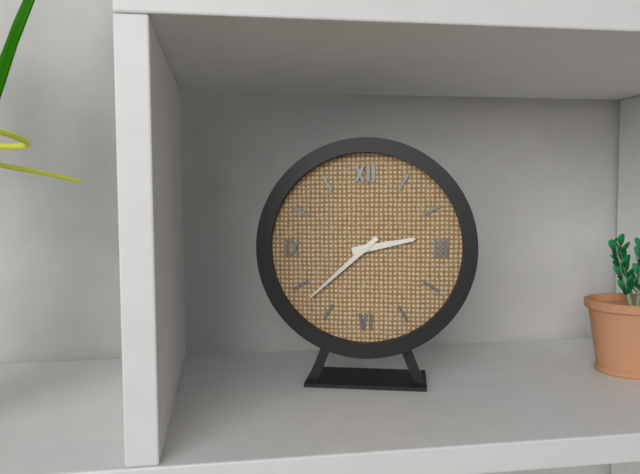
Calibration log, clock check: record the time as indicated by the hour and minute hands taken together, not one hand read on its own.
2:38
